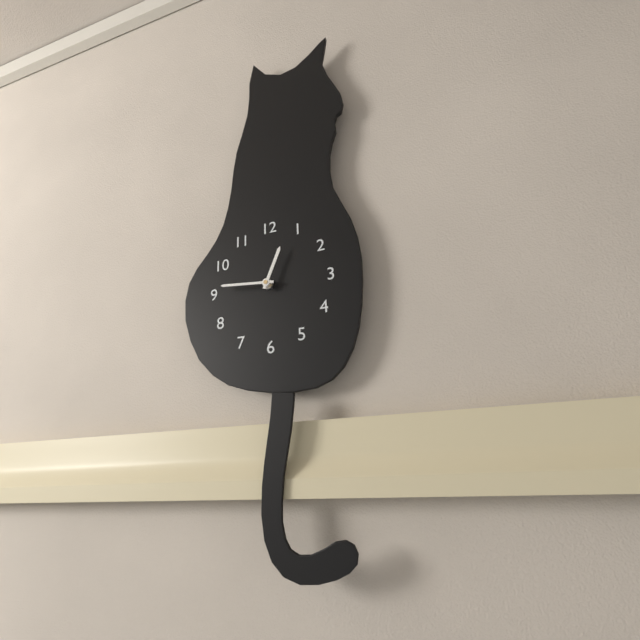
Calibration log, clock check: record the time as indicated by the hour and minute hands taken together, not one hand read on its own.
12:46
